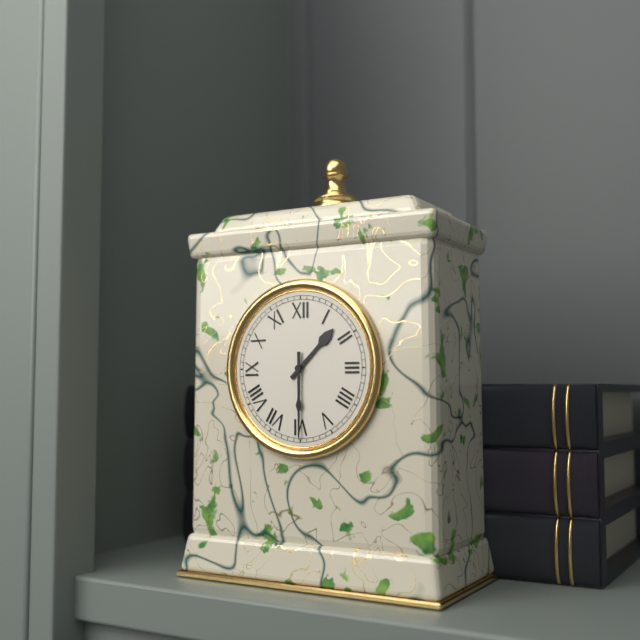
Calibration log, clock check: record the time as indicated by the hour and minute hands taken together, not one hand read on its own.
1:30
